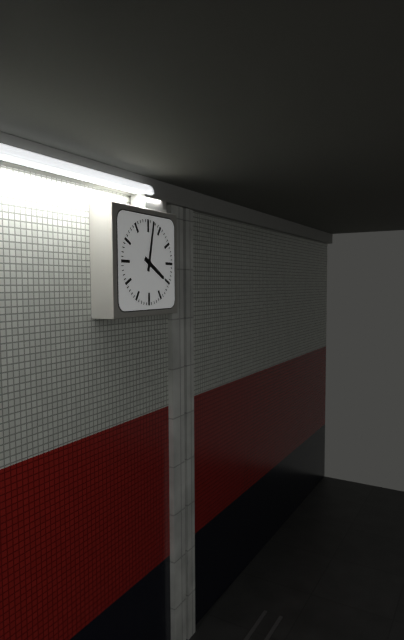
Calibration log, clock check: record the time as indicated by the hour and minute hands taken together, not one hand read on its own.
4:02
